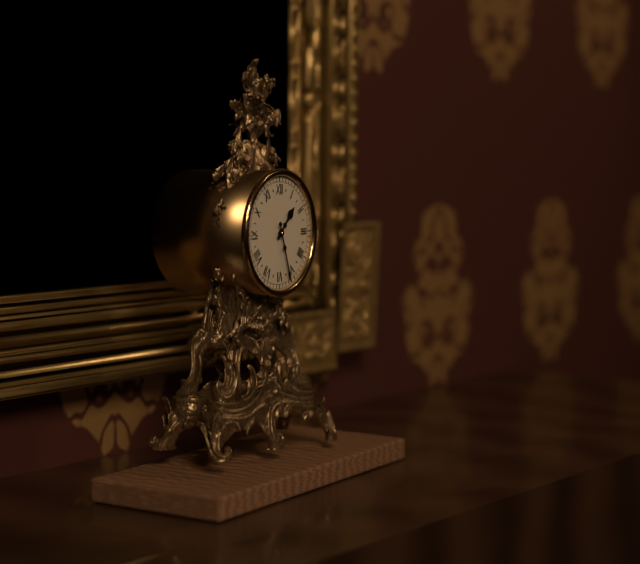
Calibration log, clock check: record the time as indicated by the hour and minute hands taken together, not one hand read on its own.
1:27
